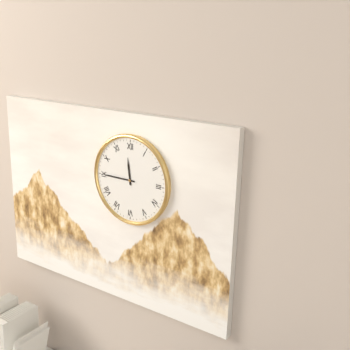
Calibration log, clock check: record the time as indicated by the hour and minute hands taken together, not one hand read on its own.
11:45
